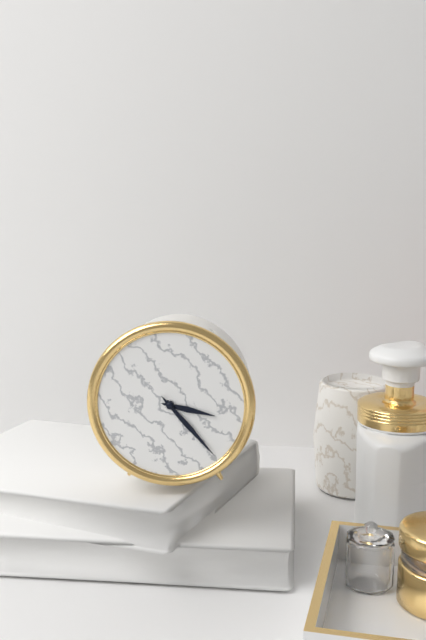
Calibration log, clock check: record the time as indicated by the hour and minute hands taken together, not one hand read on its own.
3:23
